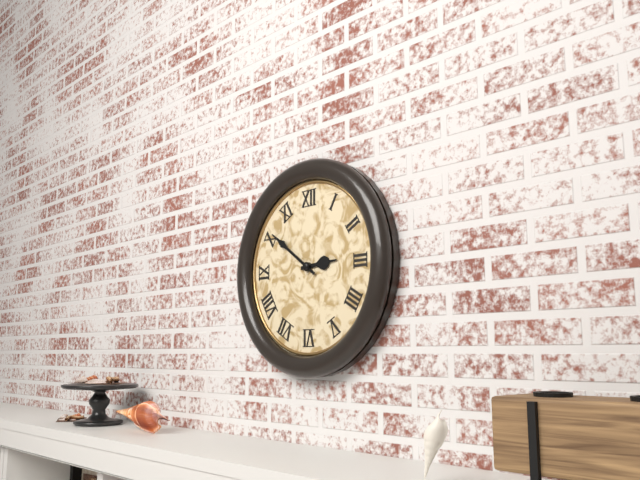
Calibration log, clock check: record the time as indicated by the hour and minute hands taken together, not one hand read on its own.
2:51
